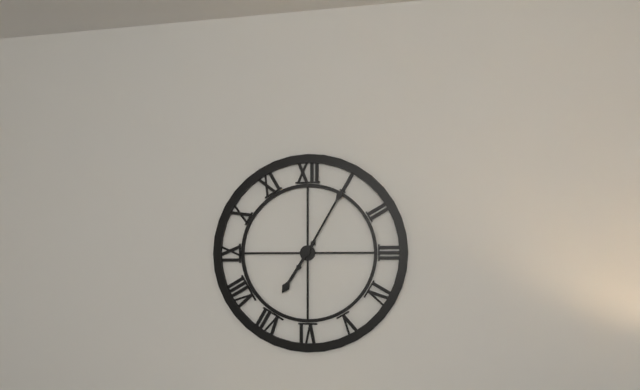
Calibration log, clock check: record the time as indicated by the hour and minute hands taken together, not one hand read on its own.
7:05
